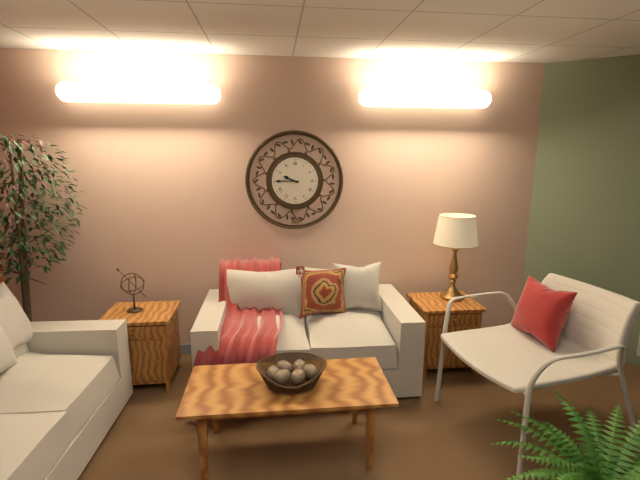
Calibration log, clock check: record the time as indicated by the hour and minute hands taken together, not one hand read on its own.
9:45
